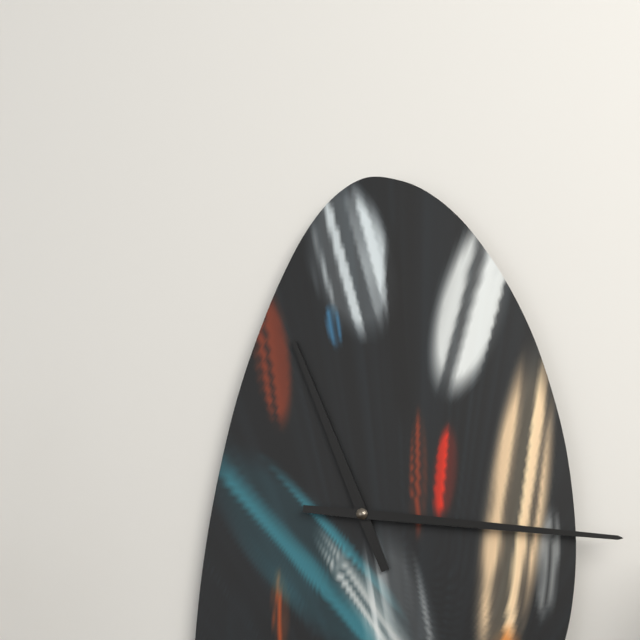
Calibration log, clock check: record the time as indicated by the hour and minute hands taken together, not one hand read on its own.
11:16
